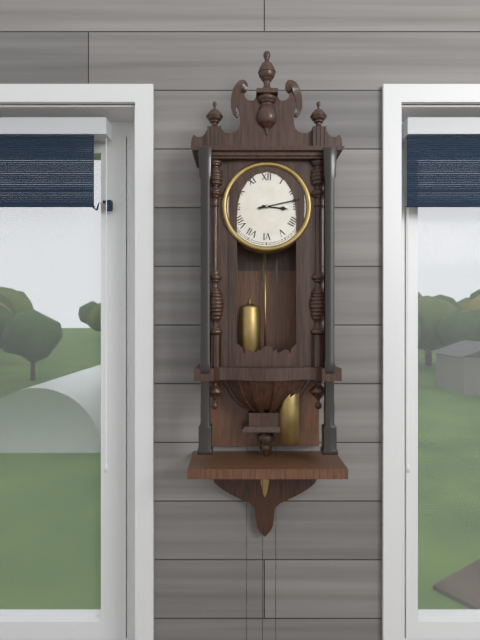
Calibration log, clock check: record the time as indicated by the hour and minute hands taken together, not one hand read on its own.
3:13
